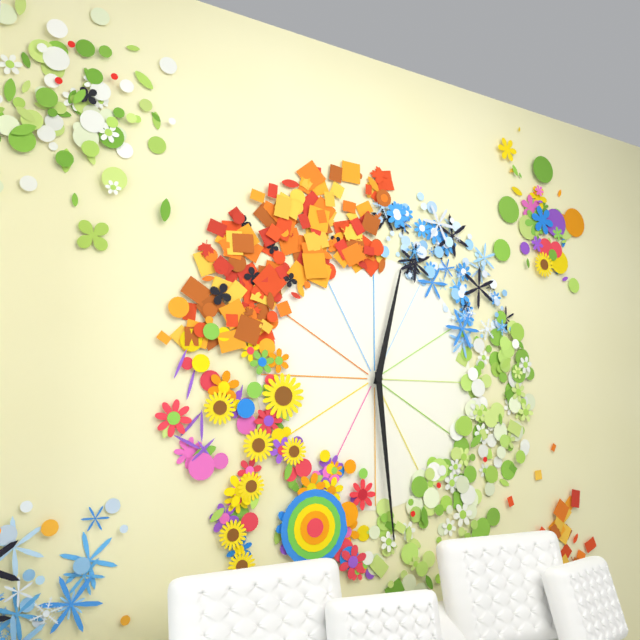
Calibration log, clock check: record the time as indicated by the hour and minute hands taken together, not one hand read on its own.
12:29
